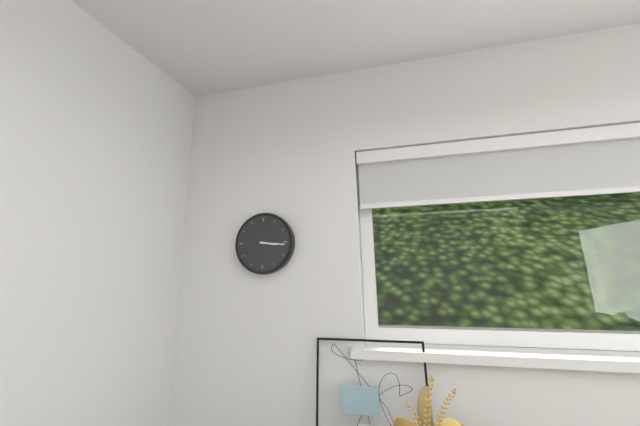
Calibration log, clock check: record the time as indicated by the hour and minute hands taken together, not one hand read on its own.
3:16
